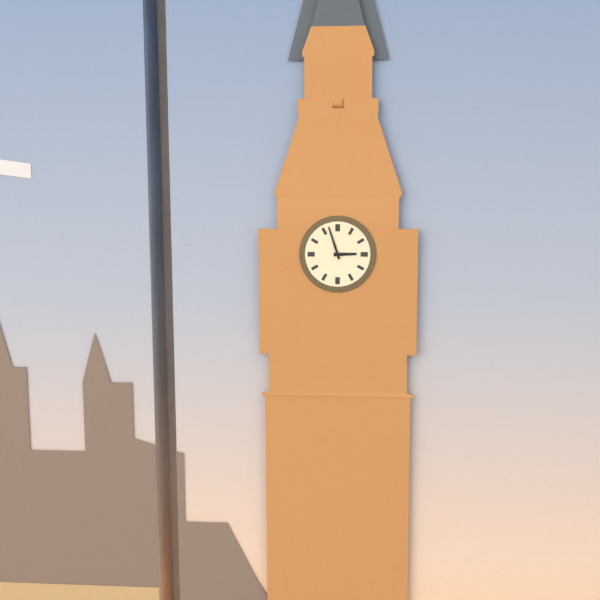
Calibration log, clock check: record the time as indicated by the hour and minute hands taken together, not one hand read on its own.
2:57
